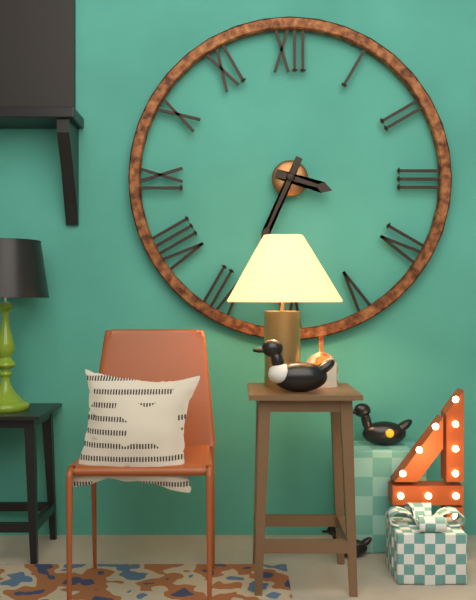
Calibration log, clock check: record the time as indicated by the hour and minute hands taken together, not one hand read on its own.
3:34
